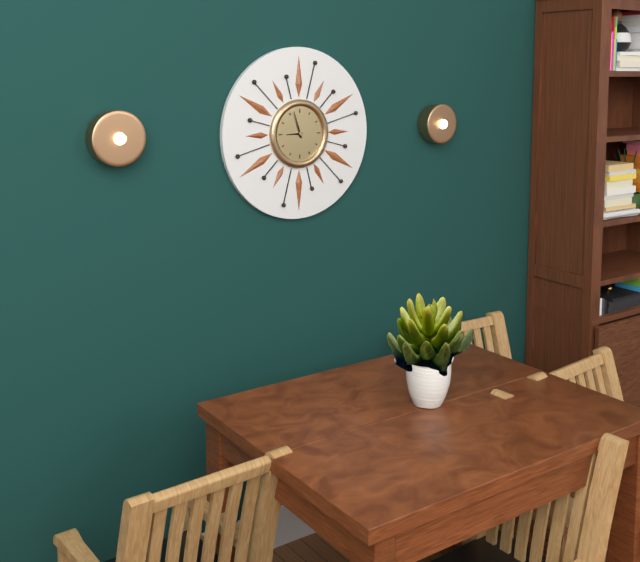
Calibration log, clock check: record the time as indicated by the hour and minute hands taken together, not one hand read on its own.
8:57
